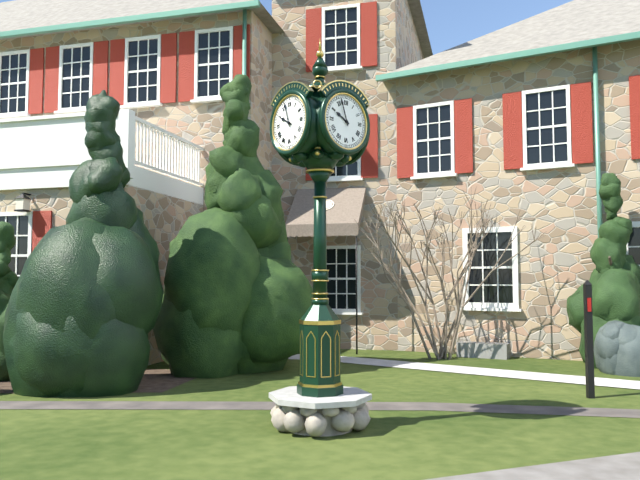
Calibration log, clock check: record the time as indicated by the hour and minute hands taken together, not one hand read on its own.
9:57
